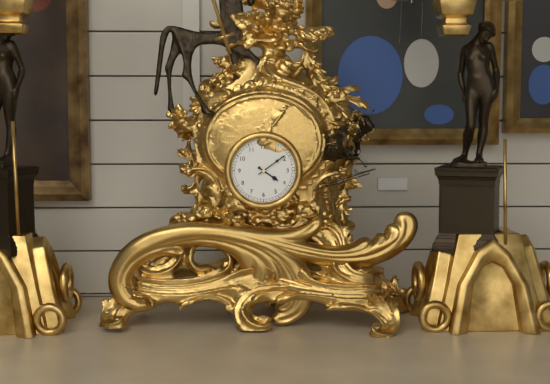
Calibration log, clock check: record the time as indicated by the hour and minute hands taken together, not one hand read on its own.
4:09
